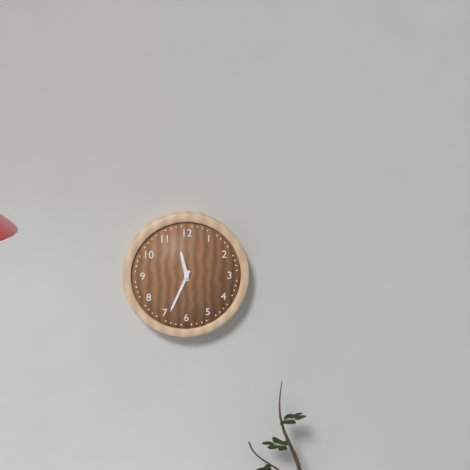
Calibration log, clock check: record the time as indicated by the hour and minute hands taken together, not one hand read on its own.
11:34
